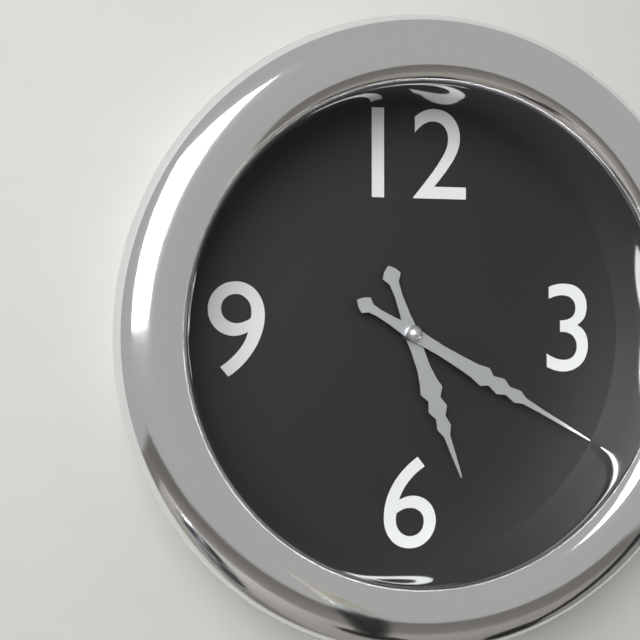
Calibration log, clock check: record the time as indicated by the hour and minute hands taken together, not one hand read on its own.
5:20
